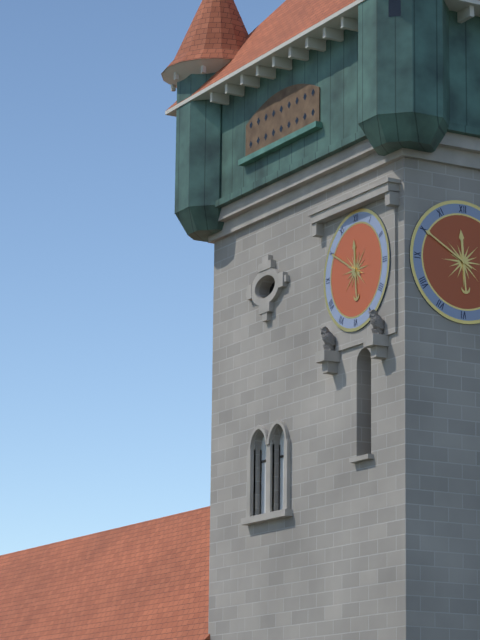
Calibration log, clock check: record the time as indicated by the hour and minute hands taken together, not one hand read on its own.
11:50
